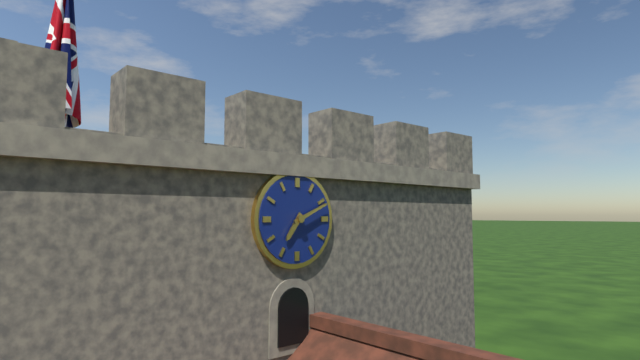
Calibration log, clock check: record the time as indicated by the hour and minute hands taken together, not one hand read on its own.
7:11
